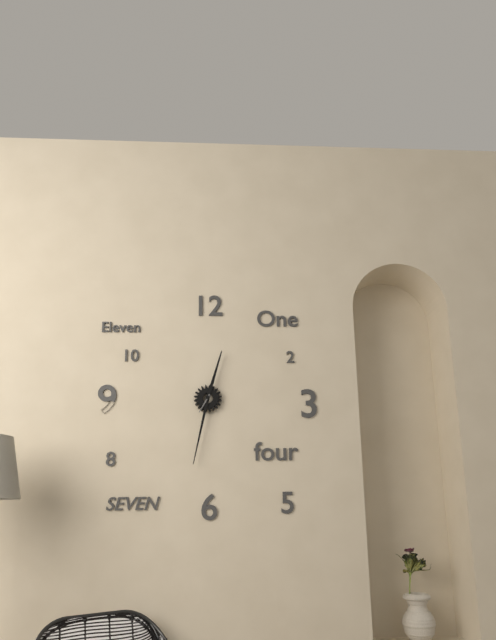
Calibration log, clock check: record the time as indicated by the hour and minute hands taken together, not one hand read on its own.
12:32
